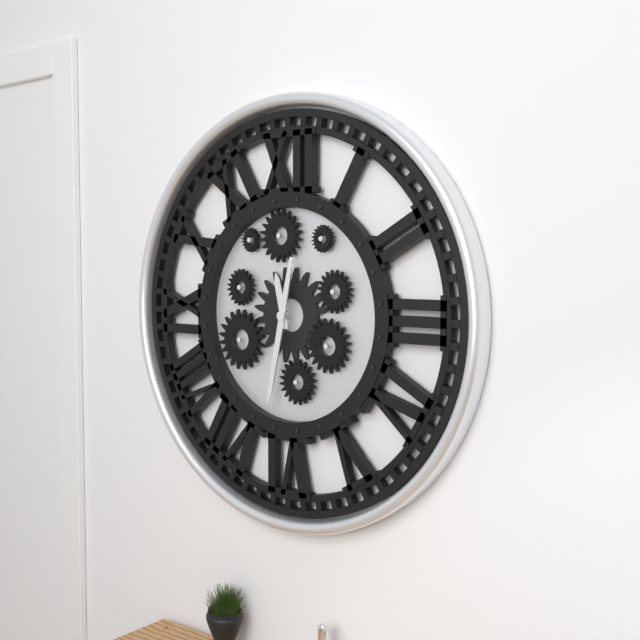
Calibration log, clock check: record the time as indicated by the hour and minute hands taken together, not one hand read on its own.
11:32
